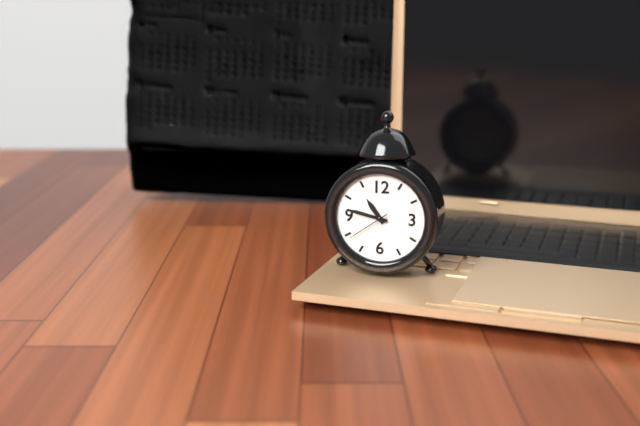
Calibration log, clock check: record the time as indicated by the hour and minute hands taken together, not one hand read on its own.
10:47
